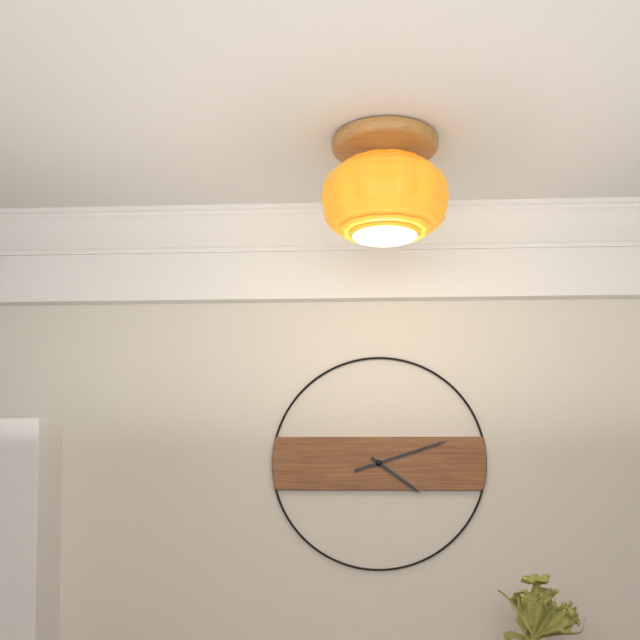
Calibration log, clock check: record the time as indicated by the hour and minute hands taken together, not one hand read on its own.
4:12
